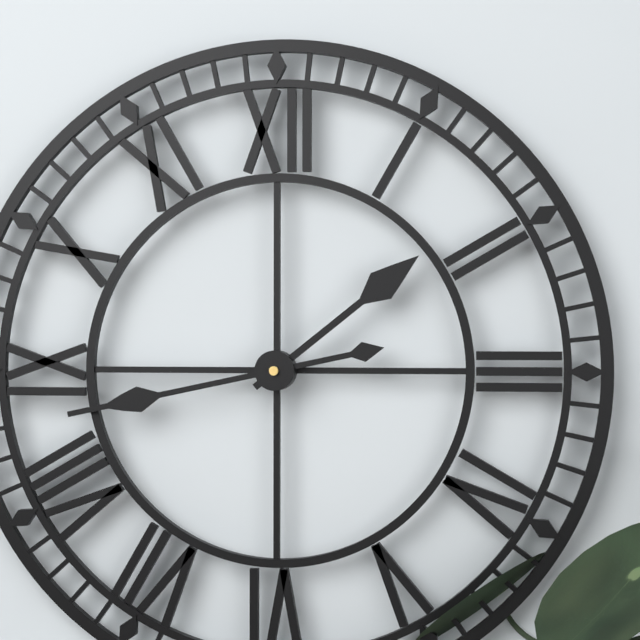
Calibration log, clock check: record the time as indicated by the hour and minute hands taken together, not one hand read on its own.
1:43
